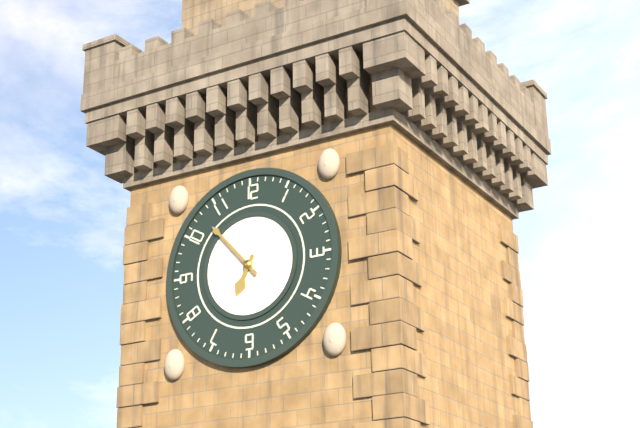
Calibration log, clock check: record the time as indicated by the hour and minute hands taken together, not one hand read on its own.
6:53
